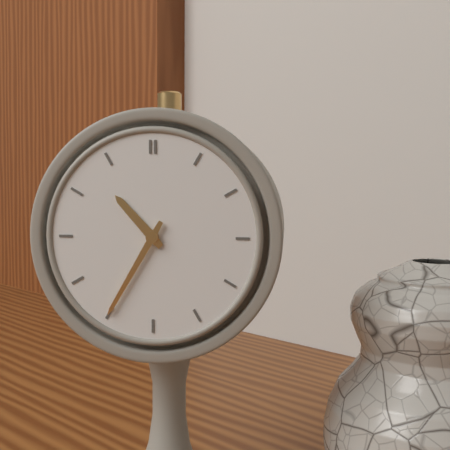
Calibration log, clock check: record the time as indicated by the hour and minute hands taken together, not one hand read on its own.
10:35
